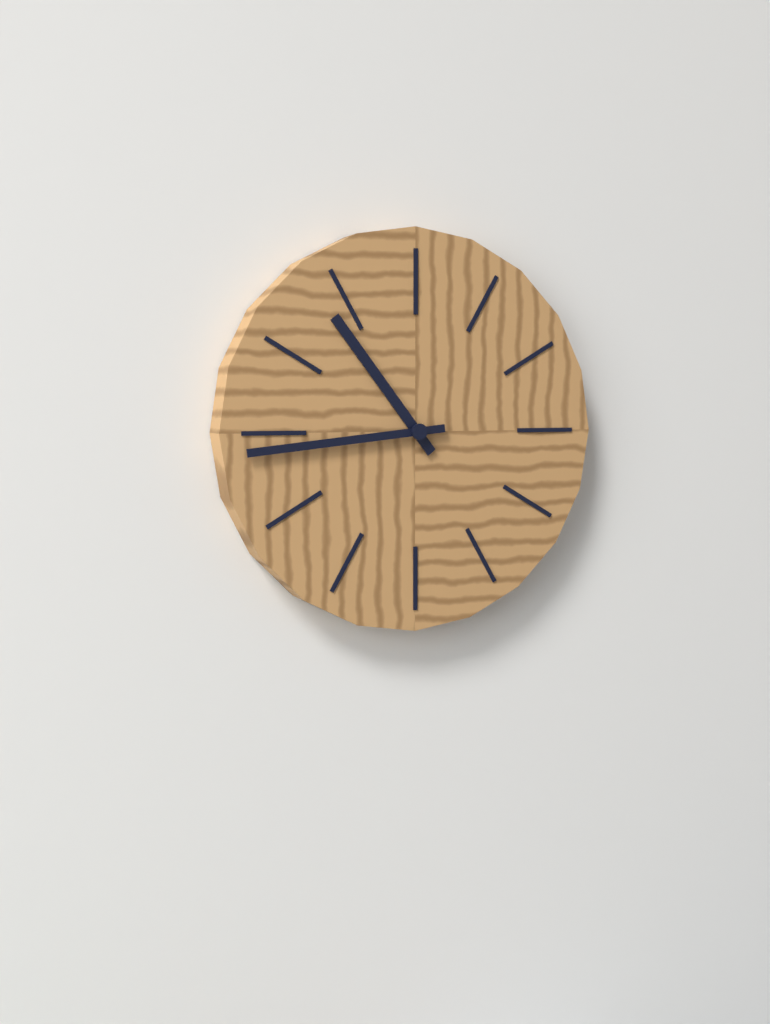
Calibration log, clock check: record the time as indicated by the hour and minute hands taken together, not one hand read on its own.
10:44
